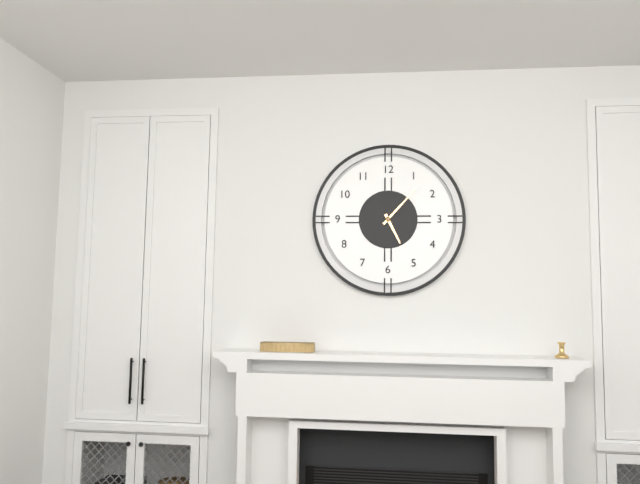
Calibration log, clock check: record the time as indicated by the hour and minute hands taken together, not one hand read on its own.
5:07
